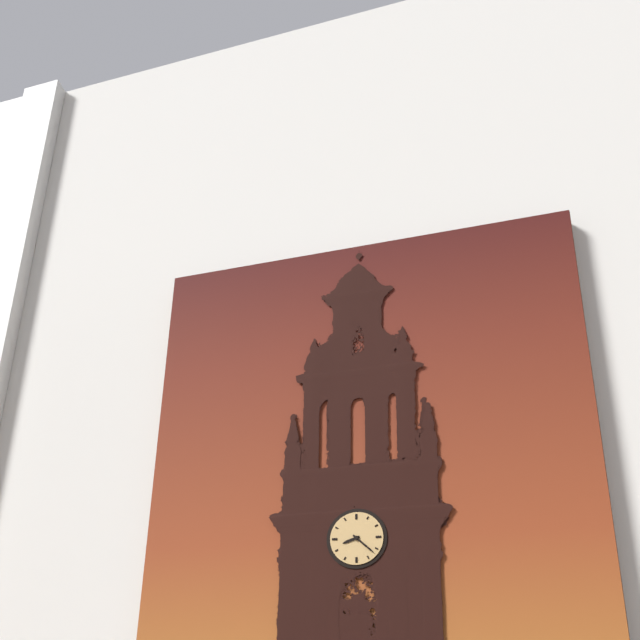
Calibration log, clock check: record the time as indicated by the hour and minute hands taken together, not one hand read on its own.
8:22
